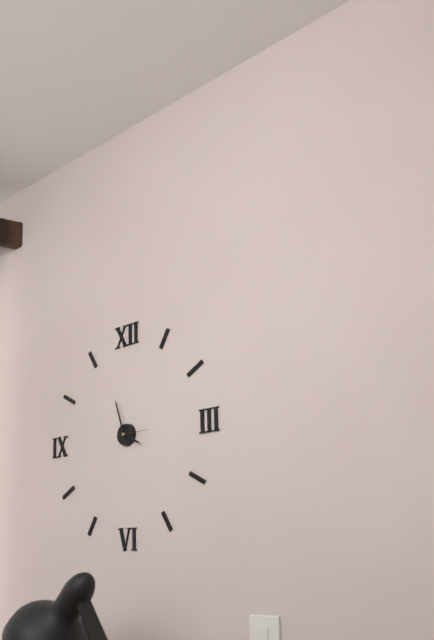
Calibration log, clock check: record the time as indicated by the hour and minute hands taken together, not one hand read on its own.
3:57
